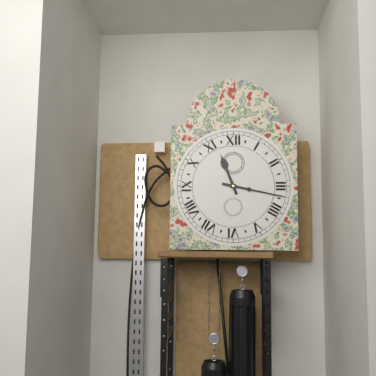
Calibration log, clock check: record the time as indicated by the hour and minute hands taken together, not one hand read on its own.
11:17
